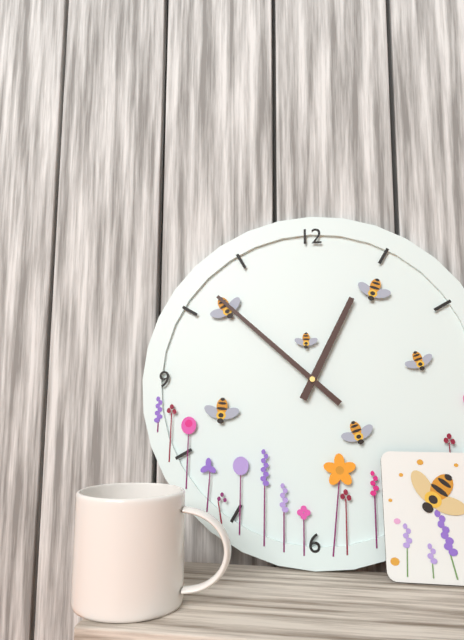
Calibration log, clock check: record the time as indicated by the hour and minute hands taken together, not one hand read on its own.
12:52
